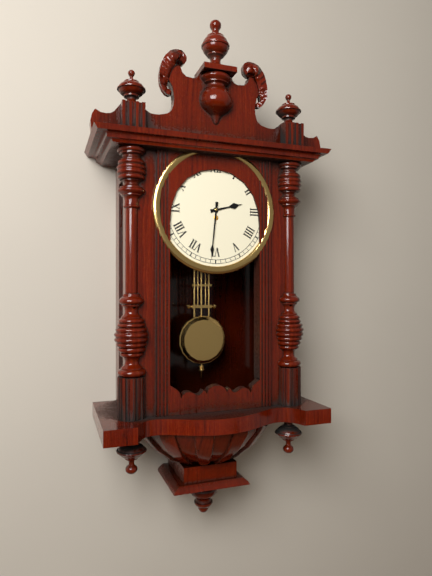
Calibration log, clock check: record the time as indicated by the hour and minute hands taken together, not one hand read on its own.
2:31
